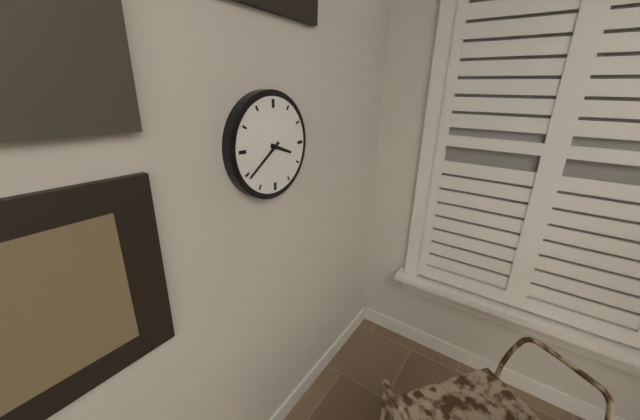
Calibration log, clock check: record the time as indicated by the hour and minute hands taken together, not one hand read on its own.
3:39
